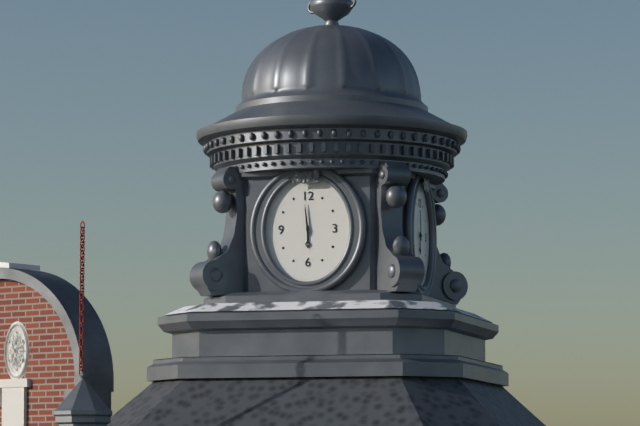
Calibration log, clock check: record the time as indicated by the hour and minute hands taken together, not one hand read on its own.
5:59
